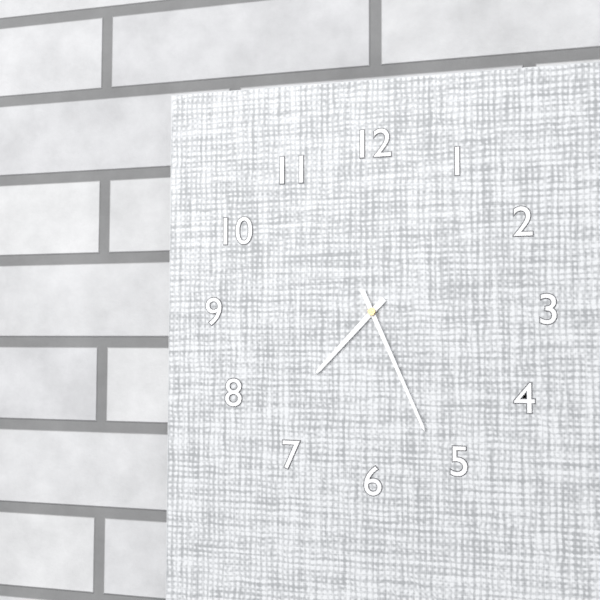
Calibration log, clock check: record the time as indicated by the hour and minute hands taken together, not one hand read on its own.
7:26
